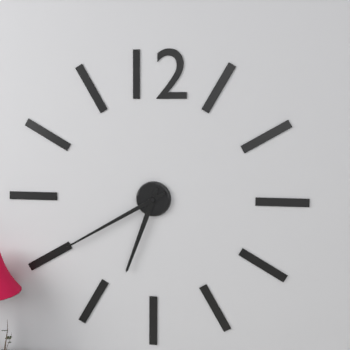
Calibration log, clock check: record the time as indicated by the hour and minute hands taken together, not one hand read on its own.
6:40
